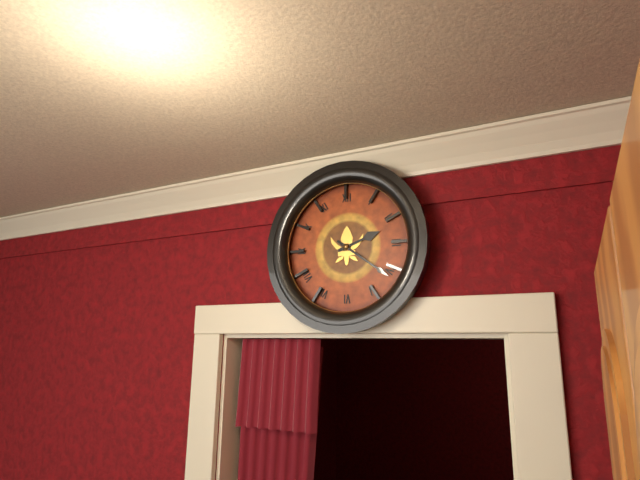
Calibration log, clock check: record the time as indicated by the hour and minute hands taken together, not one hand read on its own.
2:21
